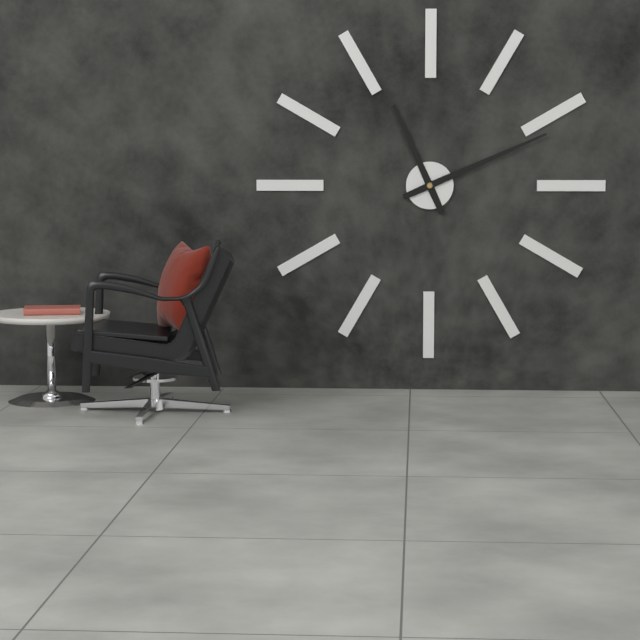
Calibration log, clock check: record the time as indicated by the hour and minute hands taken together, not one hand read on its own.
11:11
